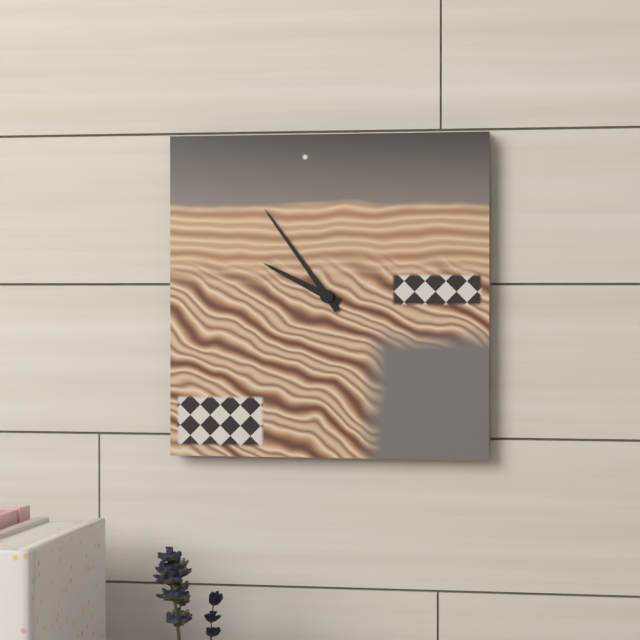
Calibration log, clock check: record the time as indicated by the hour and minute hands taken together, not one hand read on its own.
9:54
